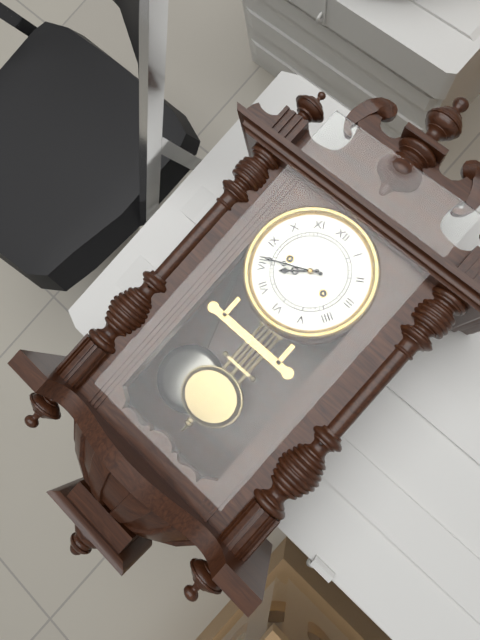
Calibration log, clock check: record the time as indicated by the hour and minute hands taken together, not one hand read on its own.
7:41
